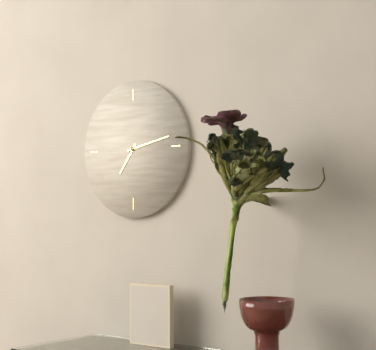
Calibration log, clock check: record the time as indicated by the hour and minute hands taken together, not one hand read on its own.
7:13
